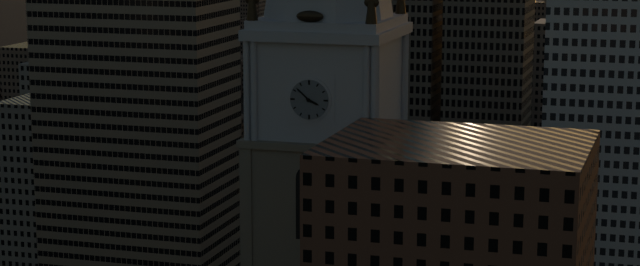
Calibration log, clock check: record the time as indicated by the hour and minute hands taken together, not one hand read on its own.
3:52
